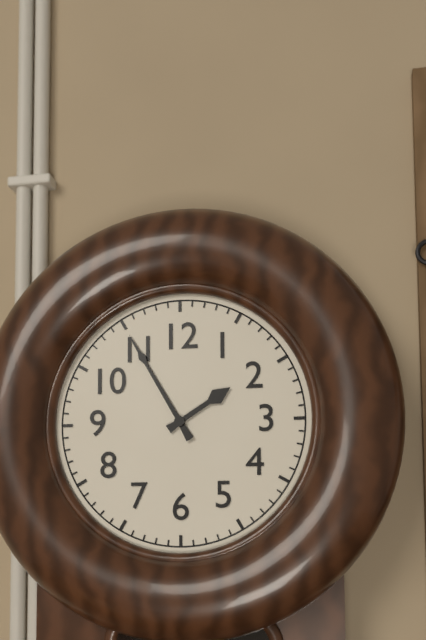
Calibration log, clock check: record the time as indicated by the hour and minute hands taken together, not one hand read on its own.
1:55
